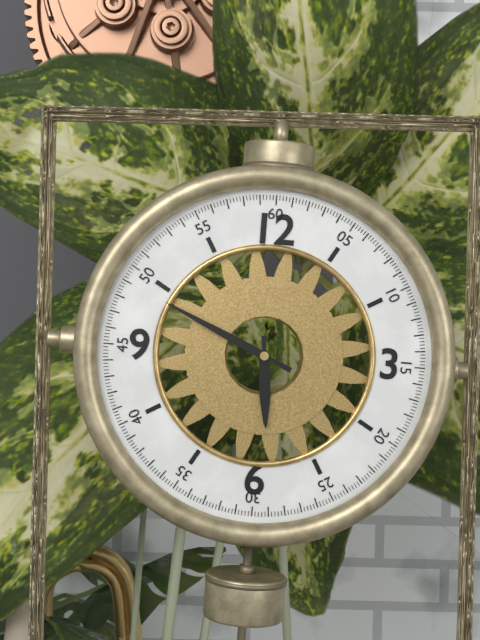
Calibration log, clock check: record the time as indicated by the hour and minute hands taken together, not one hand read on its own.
5:49
